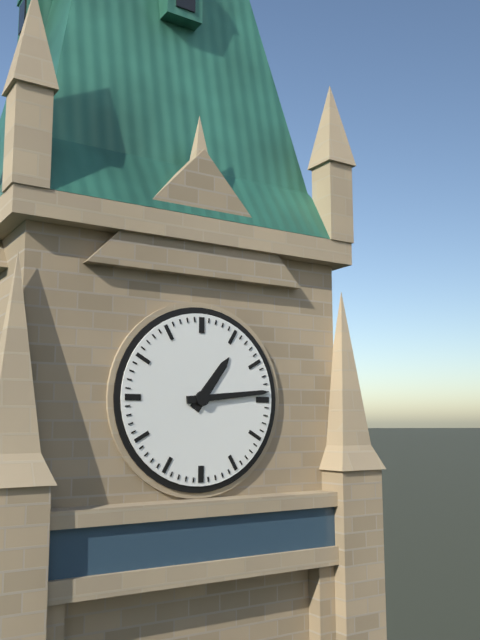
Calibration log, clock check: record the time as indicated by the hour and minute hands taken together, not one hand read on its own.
1:14
